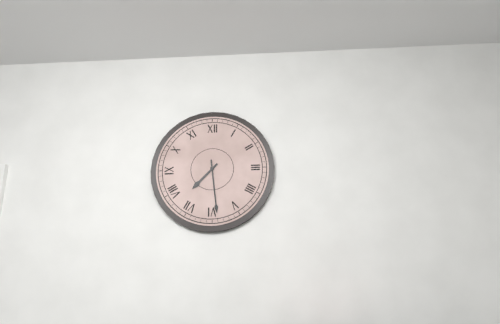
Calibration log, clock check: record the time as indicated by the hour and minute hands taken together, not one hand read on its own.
7:29
